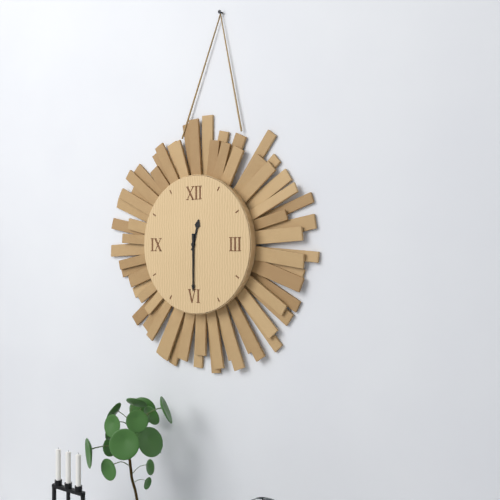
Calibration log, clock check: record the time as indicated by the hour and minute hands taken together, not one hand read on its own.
12:30
